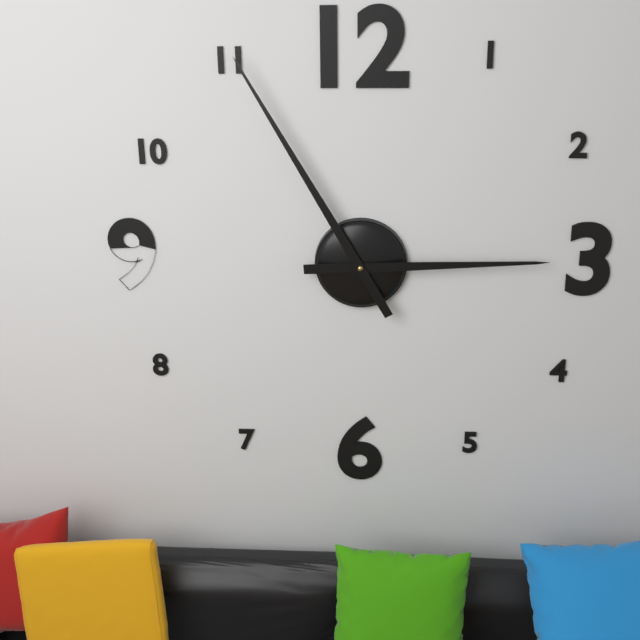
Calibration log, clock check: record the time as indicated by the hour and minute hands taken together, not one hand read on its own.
2:55
